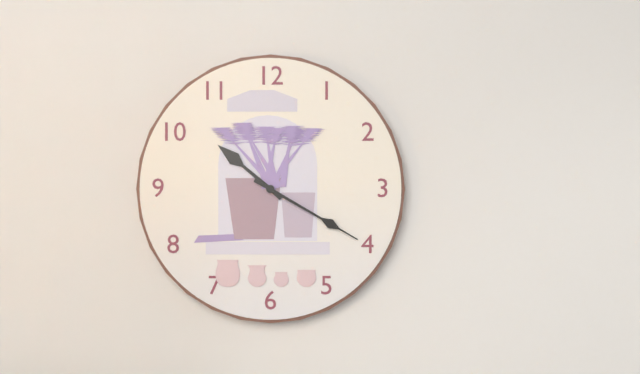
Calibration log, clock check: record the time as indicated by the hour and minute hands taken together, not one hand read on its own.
10:20
